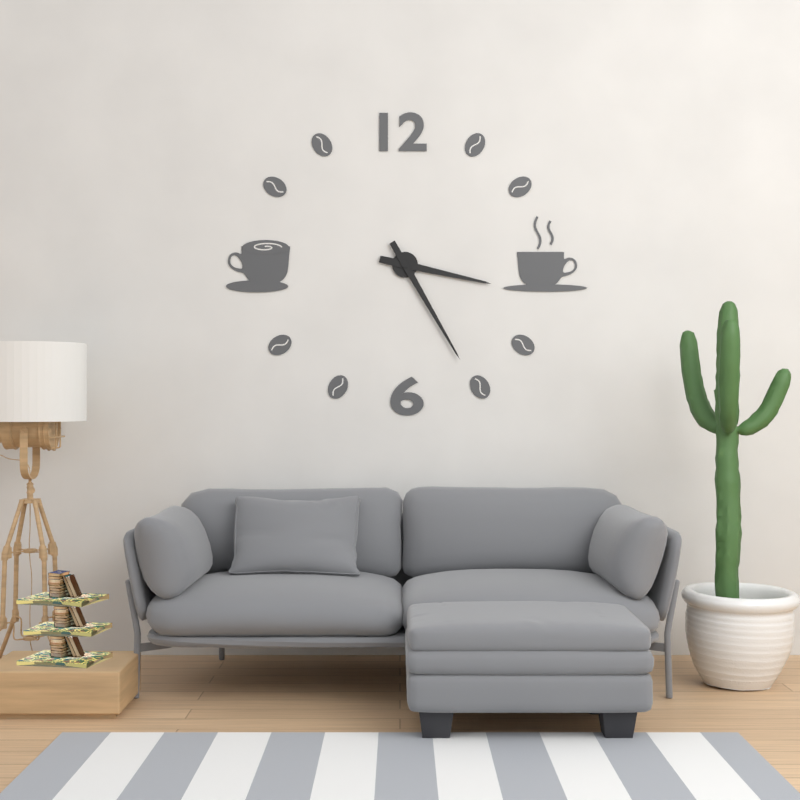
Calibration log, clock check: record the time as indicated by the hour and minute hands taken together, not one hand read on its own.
3:25
